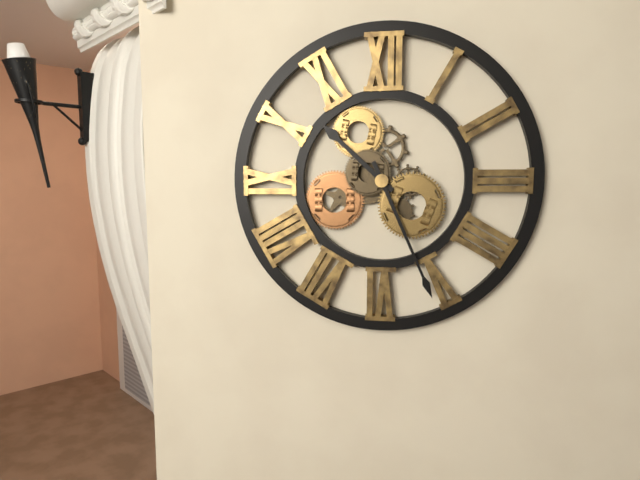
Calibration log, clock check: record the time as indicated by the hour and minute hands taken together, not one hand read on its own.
10:26
